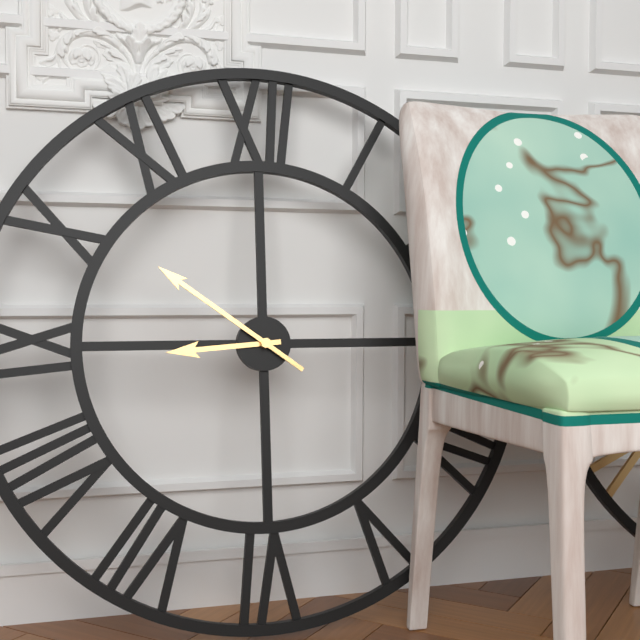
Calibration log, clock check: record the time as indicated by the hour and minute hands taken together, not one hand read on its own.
8:51
